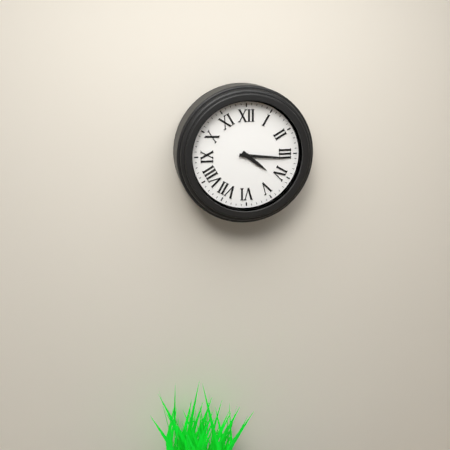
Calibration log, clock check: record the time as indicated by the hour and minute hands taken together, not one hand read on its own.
4:16
